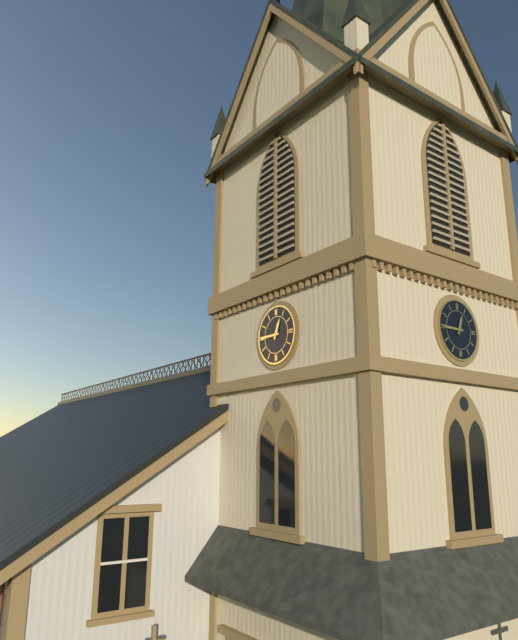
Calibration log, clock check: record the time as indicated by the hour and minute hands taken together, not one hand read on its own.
12:45
